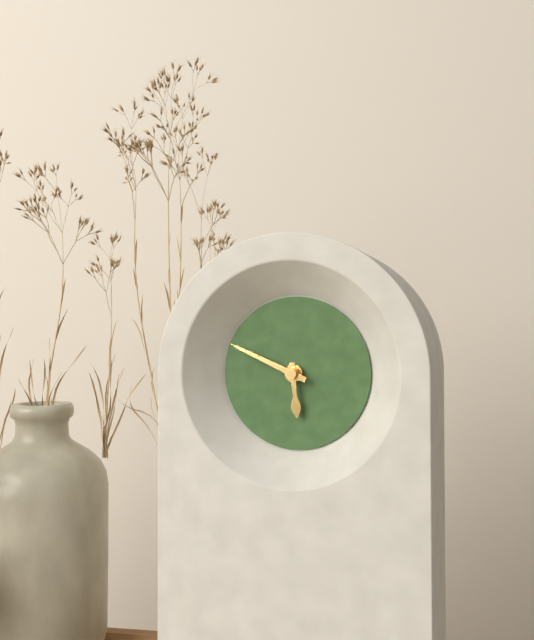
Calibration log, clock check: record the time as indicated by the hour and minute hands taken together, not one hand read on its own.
5:49
